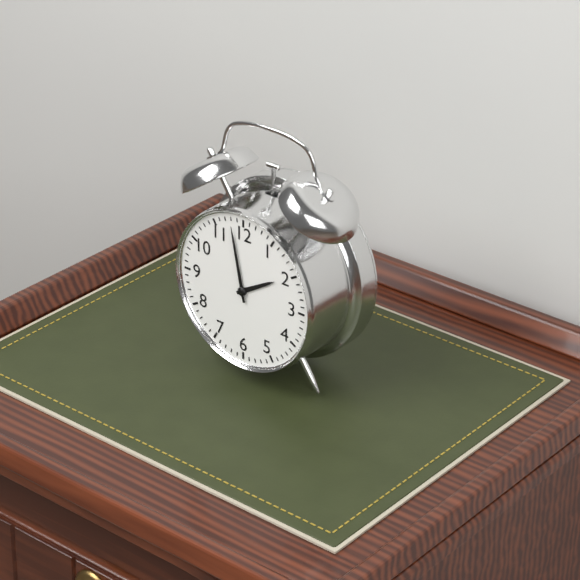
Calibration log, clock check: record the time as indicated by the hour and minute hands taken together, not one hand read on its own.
1:58
